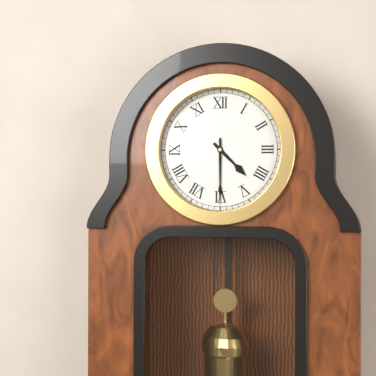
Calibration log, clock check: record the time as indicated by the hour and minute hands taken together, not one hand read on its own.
4:30
